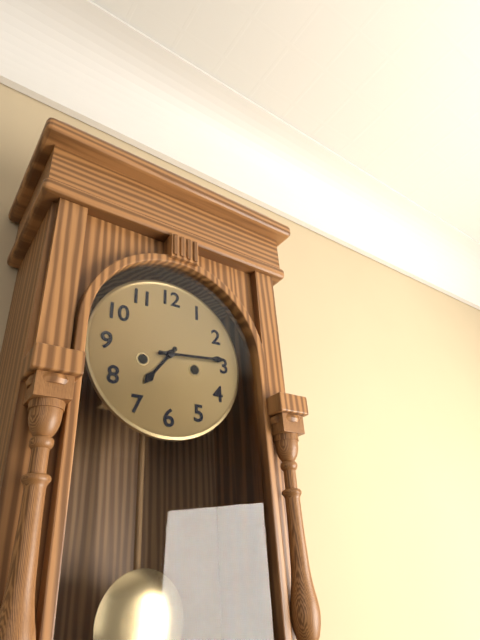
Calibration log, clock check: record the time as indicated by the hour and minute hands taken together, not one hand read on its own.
7:14
